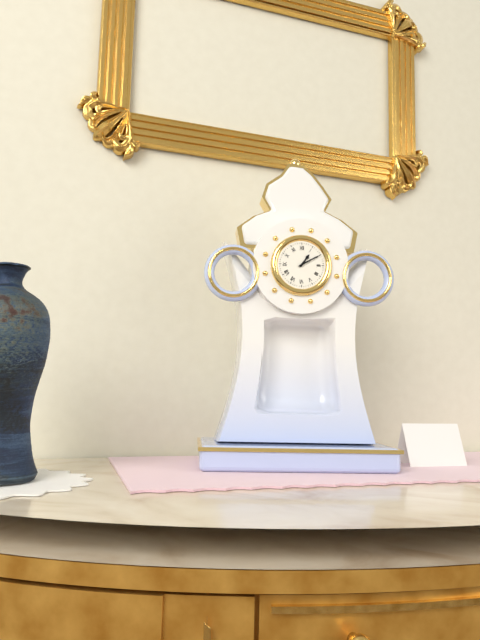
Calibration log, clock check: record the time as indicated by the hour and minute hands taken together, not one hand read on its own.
1:10
